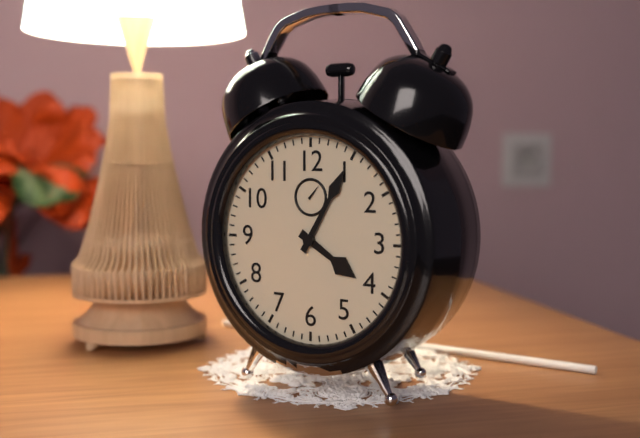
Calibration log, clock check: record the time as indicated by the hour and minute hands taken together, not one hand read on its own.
4:05
